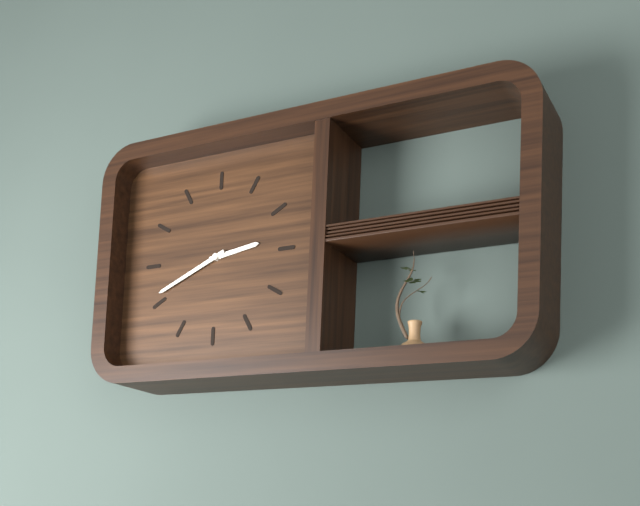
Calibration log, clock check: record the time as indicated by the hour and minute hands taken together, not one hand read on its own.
2:41
